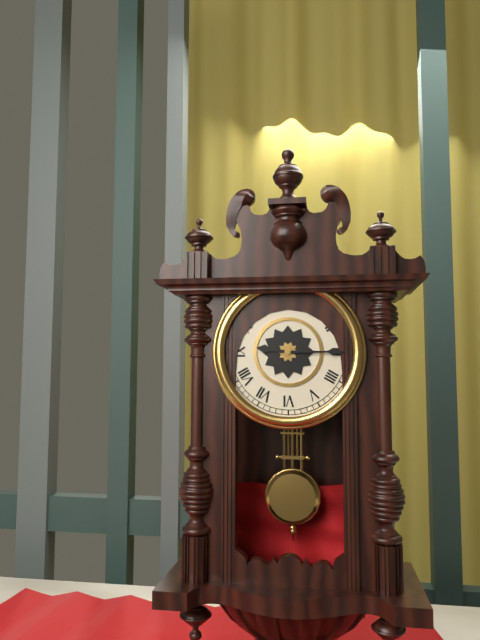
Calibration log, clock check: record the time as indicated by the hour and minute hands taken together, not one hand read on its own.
9:15
